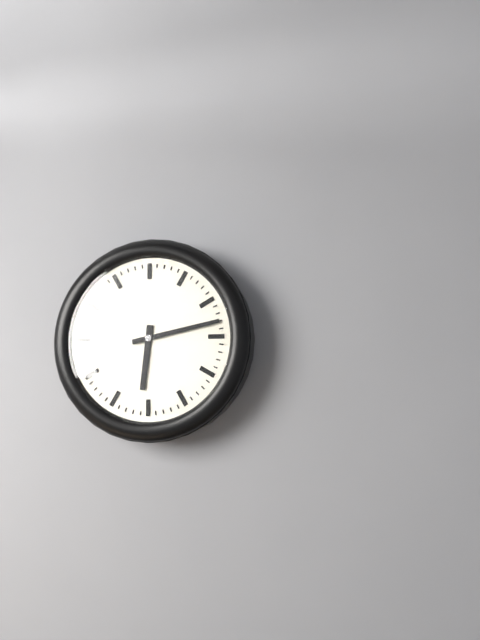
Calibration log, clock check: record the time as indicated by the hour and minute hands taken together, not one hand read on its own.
6:13
